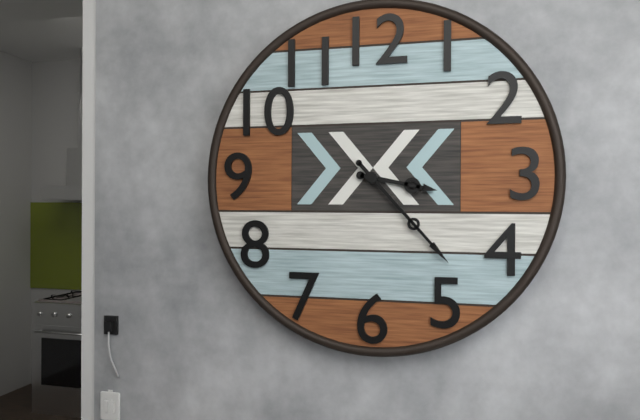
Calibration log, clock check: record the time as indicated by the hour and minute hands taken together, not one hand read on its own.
3:23
